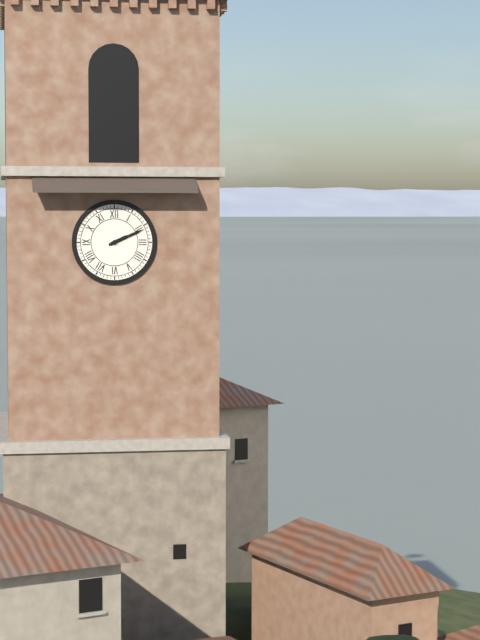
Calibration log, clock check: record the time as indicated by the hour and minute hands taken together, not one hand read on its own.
2:11
